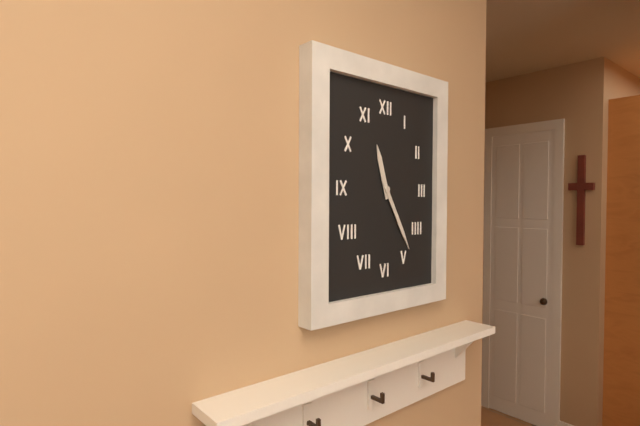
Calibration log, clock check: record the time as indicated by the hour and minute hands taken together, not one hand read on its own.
11:25
